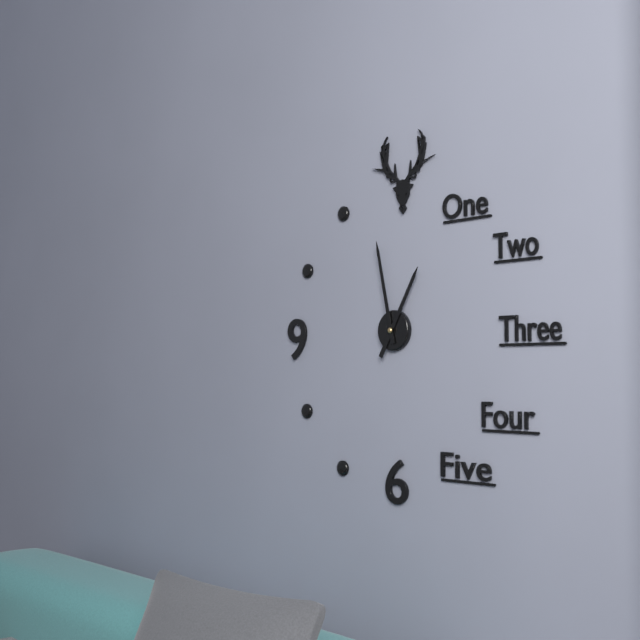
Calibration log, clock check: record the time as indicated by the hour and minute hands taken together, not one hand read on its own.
12:58
